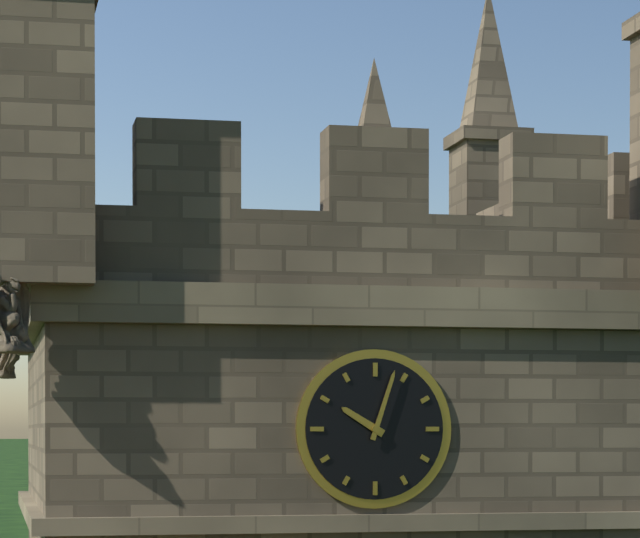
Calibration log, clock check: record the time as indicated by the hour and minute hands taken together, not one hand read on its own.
10:03
